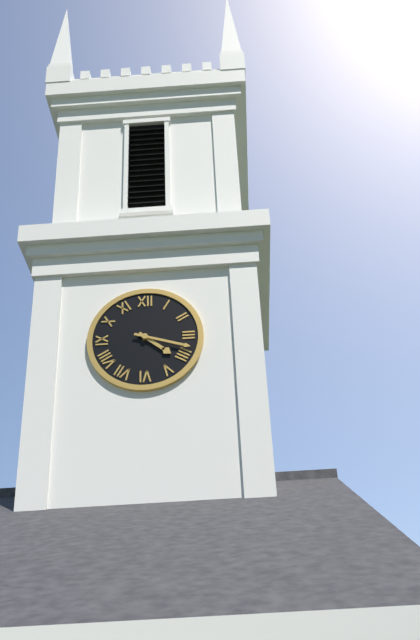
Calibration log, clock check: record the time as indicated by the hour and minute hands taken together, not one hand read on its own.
4:18
